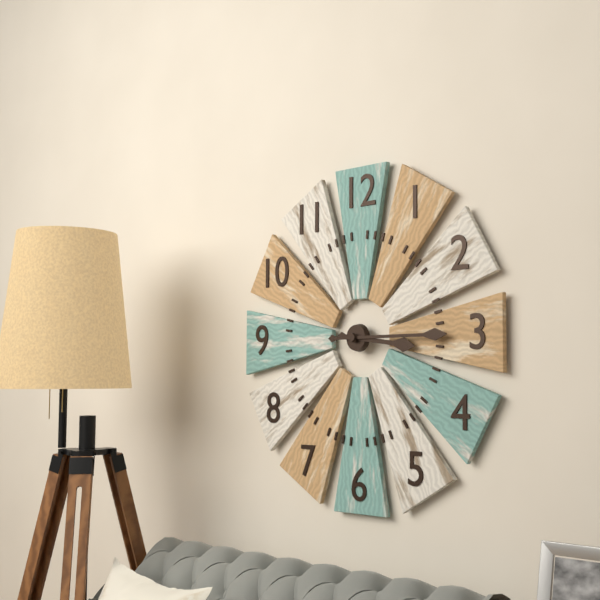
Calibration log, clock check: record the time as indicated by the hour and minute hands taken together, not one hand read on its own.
3:15
